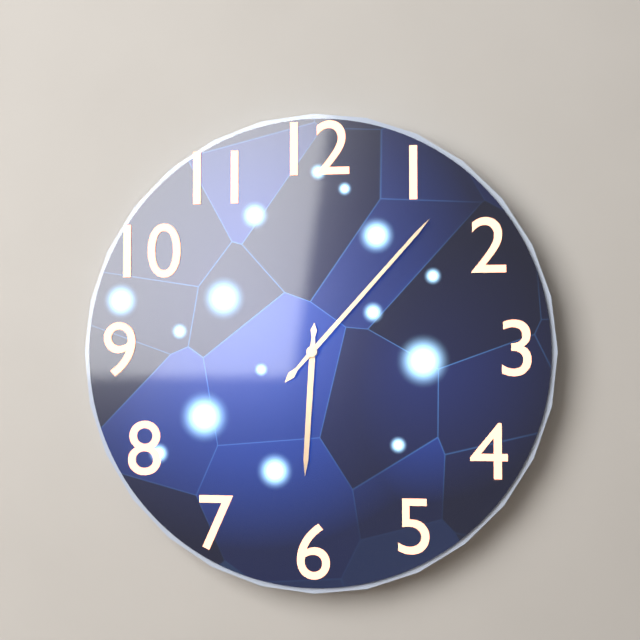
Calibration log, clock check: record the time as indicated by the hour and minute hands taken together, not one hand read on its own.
6:07
